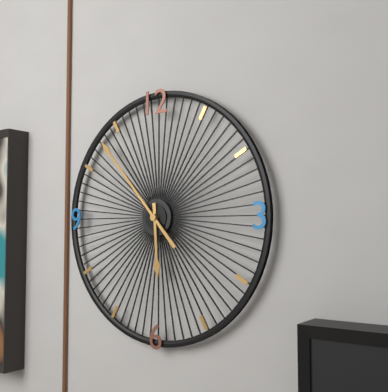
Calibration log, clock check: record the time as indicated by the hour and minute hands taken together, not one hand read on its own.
5:53
